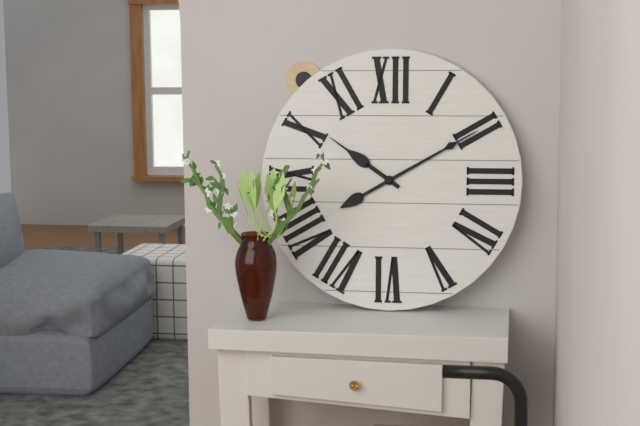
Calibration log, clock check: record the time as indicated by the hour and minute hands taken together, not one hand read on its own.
10:10
